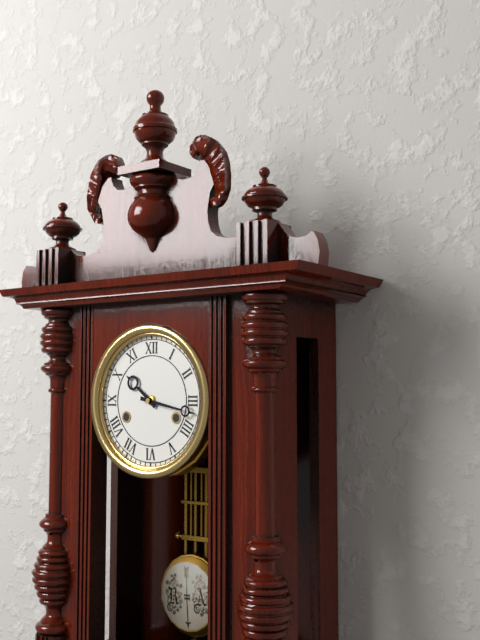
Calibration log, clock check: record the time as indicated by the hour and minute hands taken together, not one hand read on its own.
10:17
